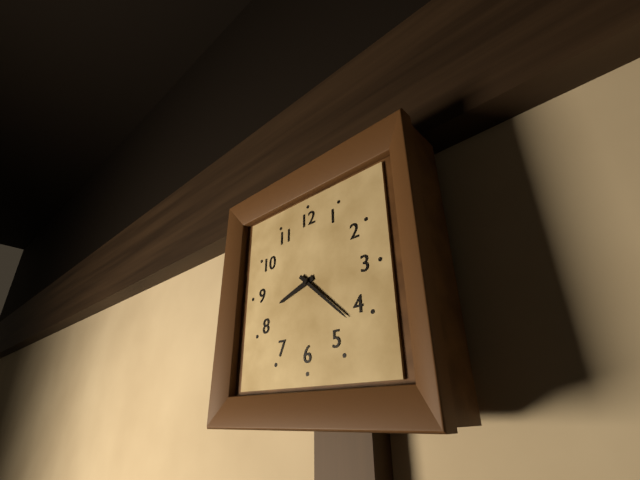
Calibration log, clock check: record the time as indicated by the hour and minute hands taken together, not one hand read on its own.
8:22
